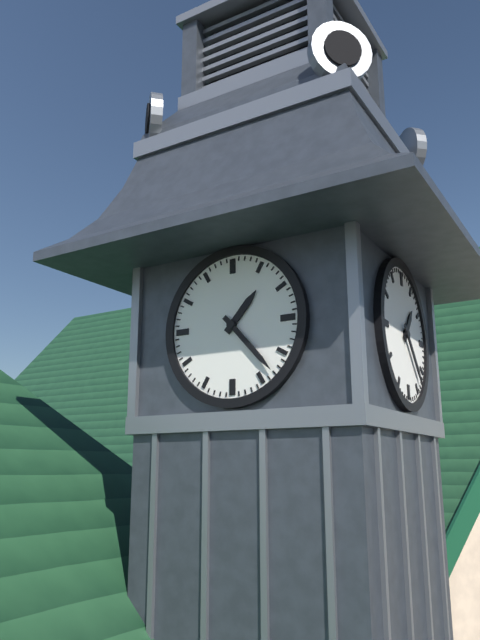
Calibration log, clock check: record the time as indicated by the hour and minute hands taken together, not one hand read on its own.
1:23
